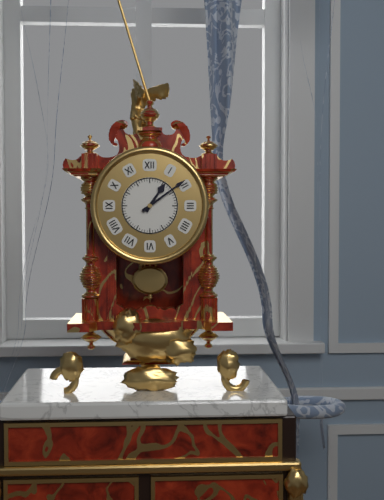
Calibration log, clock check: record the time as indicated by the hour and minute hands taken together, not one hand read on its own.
1:09
